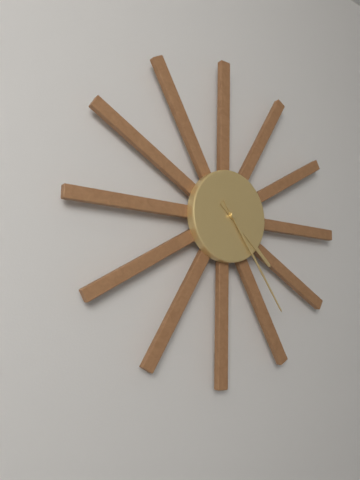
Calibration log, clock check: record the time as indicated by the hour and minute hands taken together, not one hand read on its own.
4:24
